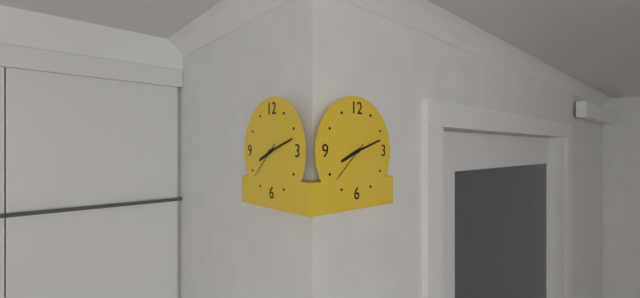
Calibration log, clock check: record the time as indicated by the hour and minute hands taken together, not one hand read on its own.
8:12
